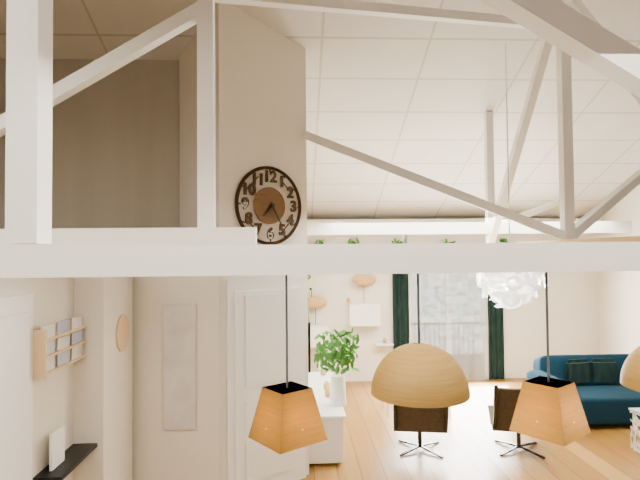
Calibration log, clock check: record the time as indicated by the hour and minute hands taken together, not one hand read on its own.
7:25
